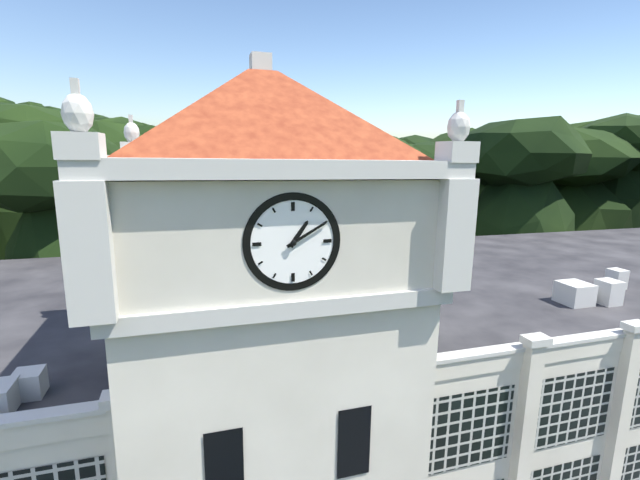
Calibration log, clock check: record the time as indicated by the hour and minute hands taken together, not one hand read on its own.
1:10
